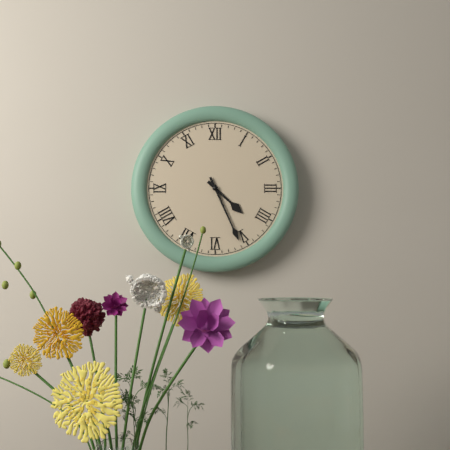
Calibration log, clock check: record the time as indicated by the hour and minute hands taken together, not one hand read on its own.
4:26
